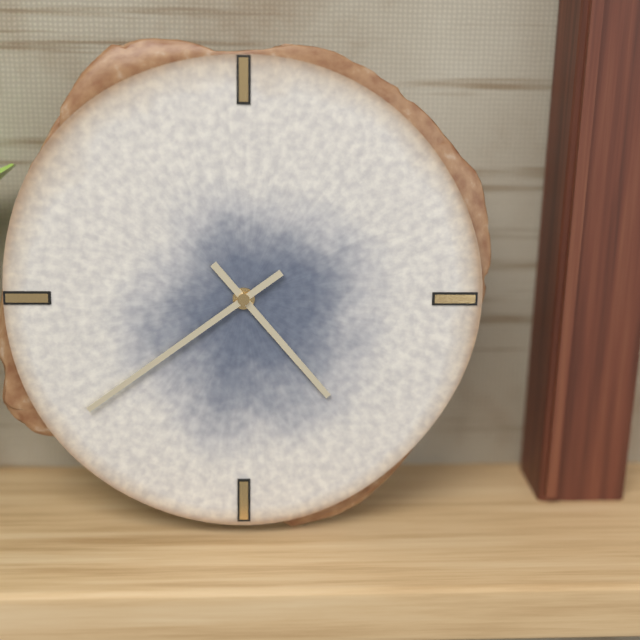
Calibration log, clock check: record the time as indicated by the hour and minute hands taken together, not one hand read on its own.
4:39
